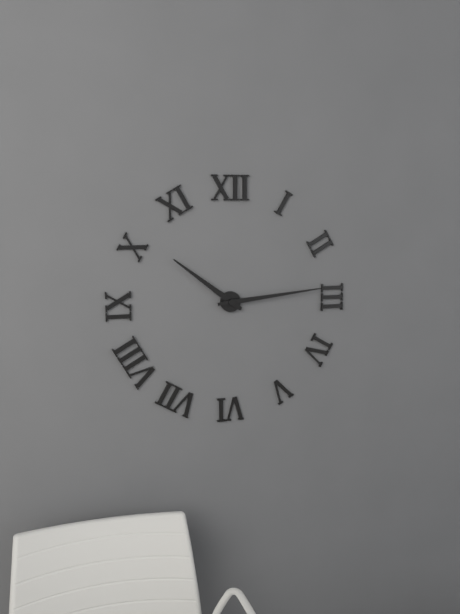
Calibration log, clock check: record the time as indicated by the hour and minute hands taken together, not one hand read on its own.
10:14
